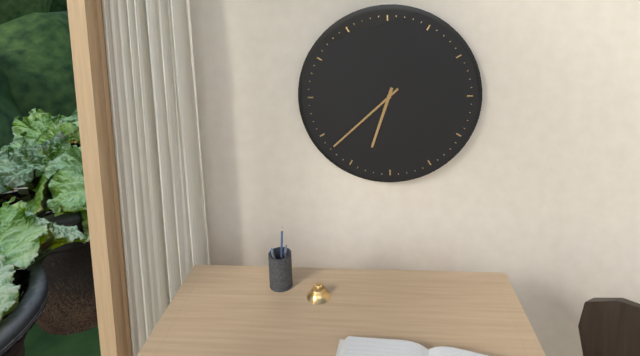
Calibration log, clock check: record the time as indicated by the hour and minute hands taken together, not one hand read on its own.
6:38
